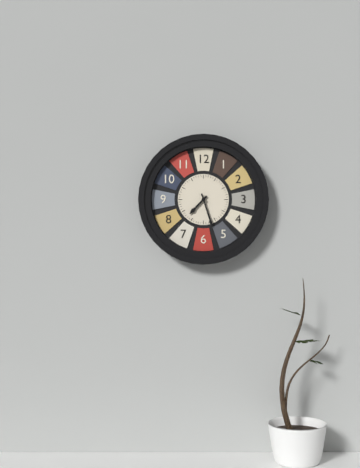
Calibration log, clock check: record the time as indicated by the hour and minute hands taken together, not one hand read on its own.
7:27
